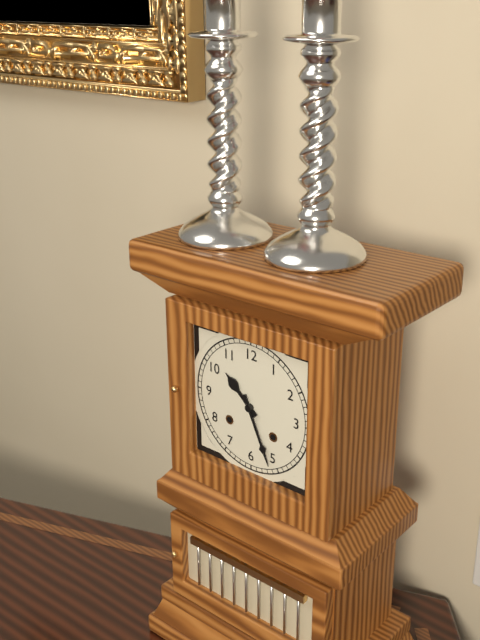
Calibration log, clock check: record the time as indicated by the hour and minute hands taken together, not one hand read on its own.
10:26
